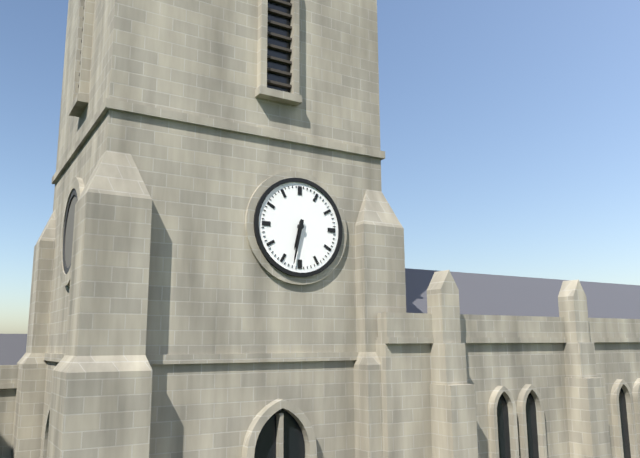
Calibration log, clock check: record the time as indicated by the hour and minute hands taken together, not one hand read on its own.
6:32
